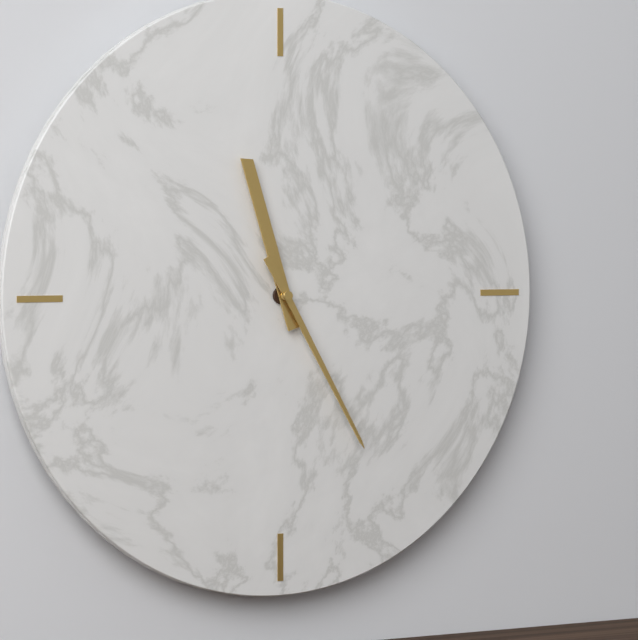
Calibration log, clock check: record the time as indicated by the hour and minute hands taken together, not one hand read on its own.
11:25
